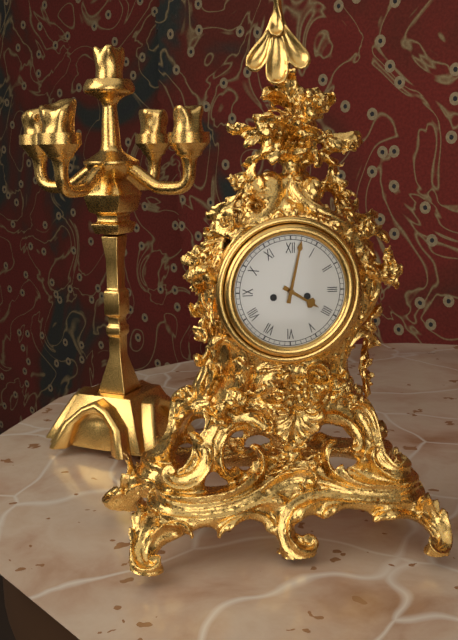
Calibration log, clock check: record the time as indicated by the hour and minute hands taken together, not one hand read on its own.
4:02
